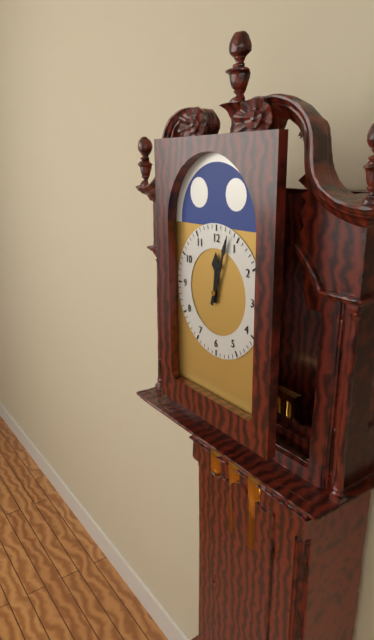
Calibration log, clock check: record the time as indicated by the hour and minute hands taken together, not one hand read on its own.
12:03
